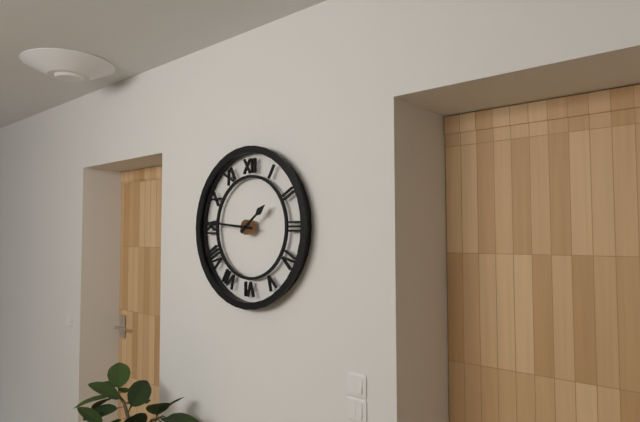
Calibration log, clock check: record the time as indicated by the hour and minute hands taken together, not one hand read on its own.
1:46
